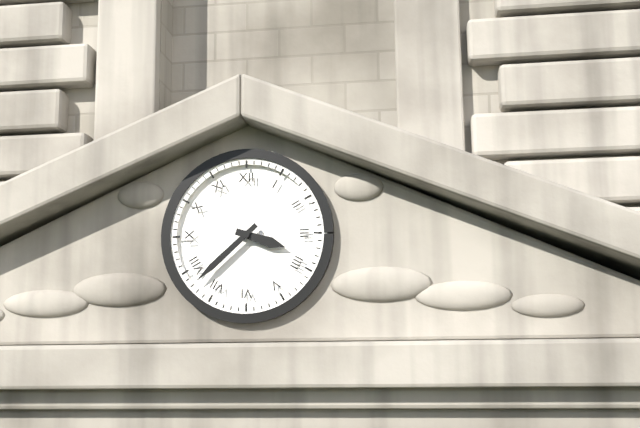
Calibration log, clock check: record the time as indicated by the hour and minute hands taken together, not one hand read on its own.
3:38
